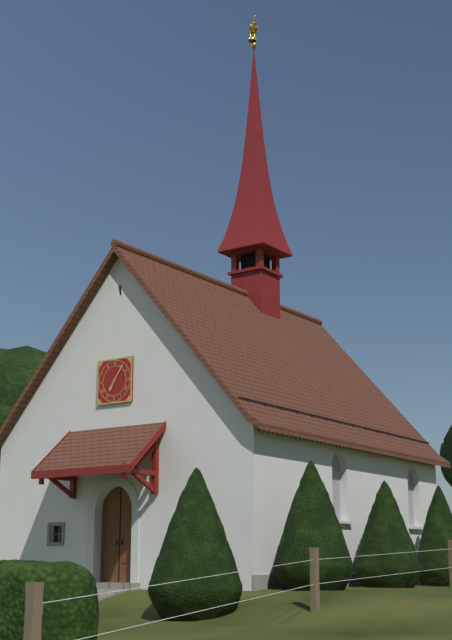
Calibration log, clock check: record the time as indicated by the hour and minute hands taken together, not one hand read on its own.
7:06
